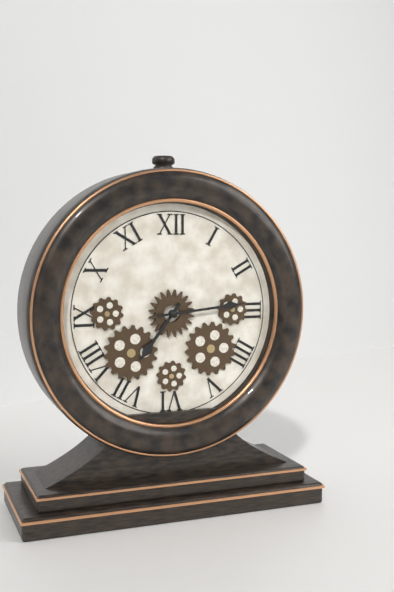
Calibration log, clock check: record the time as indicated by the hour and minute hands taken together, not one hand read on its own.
7:14
